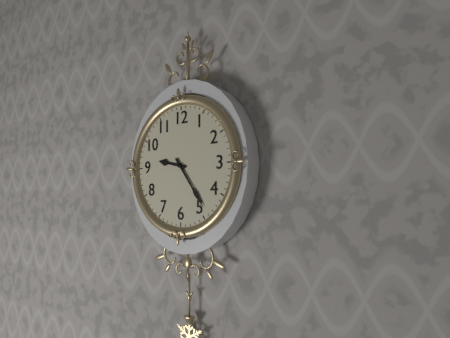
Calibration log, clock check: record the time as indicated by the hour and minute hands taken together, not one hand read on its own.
9:24
